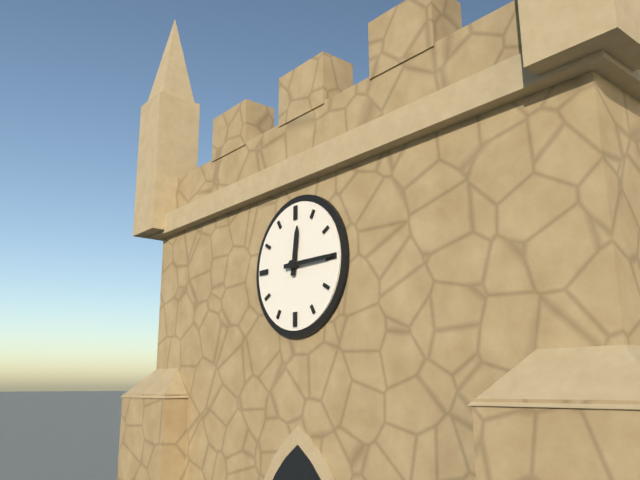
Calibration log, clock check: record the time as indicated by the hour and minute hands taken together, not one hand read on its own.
12:15
